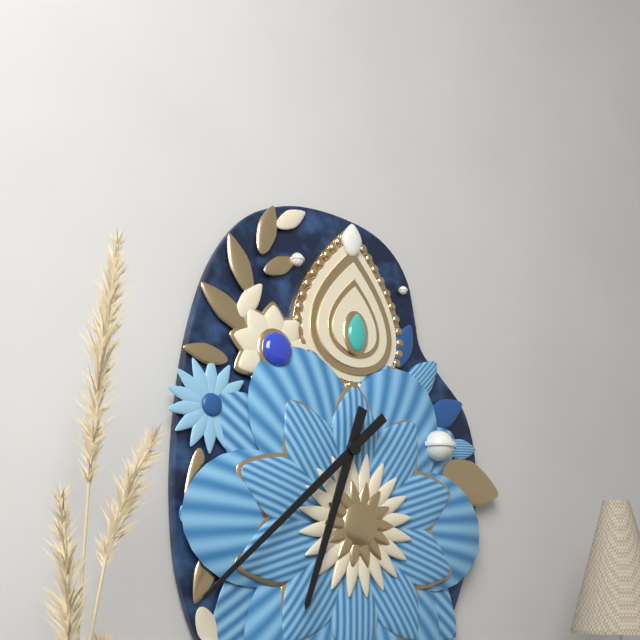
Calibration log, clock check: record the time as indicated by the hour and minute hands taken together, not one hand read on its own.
6:38
